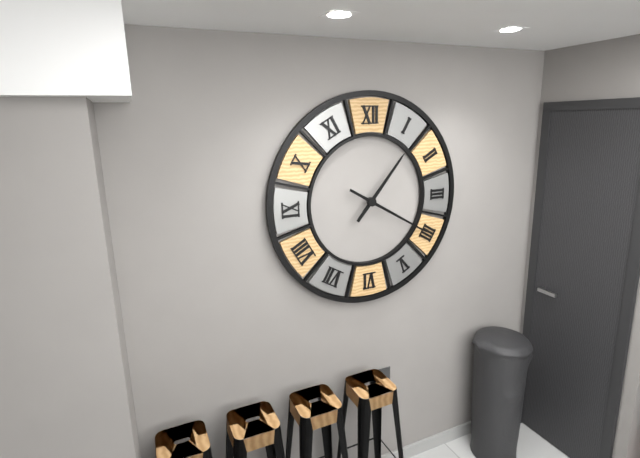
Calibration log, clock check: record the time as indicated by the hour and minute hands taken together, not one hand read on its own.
1:20
